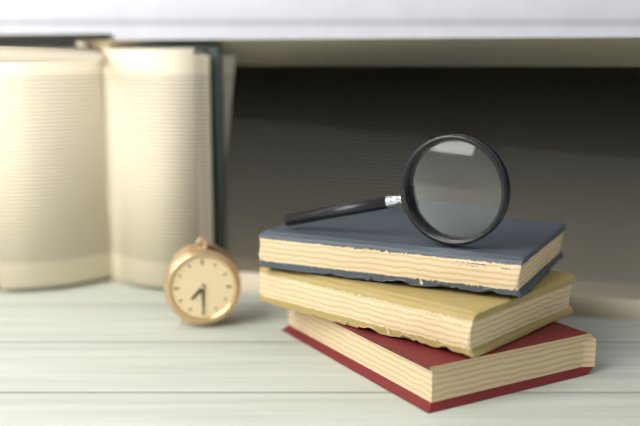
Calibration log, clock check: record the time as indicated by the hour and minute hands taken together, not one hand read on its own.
7:30
